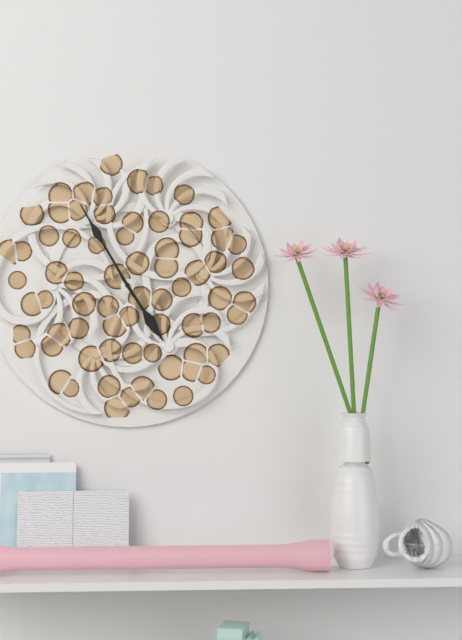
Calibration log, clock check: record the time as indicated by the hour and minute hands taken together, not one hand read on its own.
4:55
